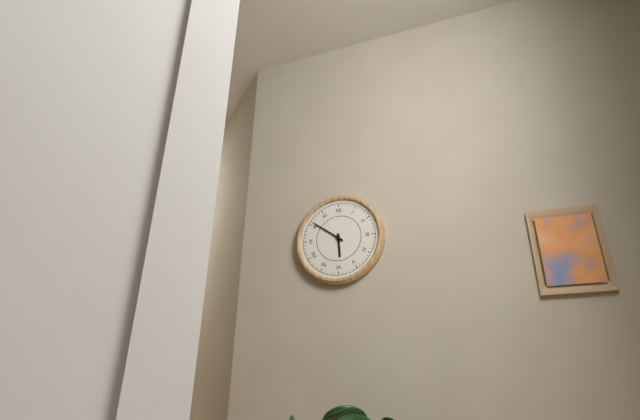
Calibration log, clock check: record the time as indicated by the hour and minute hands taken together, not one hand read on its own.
5:51
